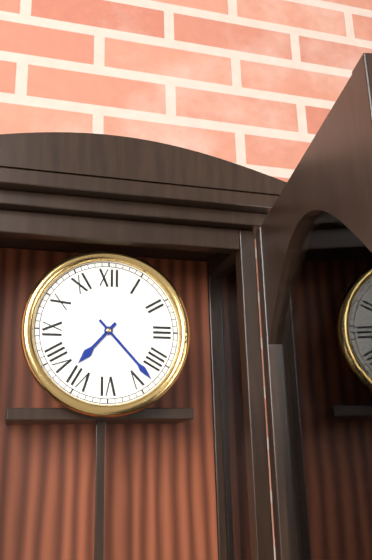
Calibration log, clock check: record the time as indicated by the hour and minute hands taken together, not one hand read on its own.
7:23
